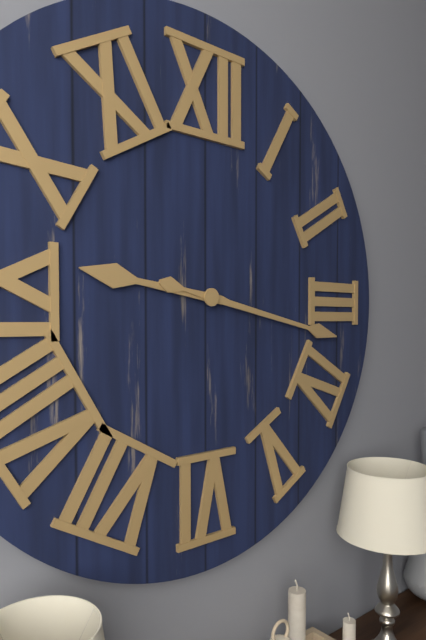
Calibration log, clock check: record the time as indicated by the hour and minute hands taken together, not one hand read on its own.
9:17
